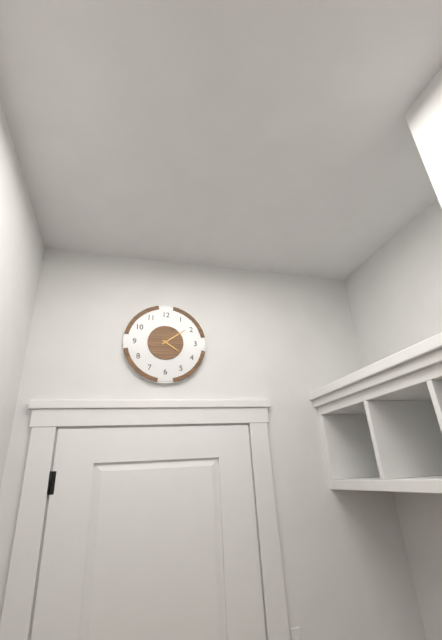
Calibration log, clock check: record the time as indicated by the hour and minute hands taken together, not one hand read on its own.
4:09
